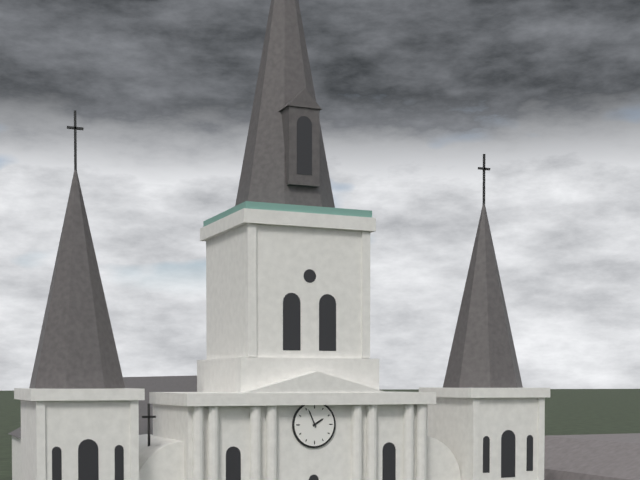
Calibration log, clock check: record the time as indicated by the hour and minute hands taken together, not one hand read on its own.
1:56
